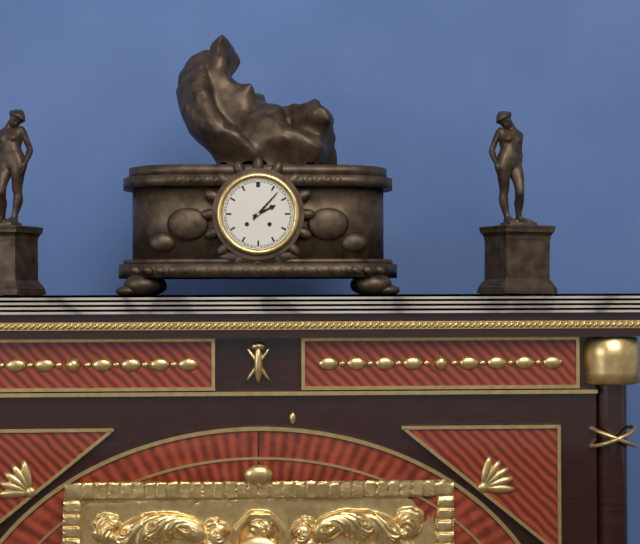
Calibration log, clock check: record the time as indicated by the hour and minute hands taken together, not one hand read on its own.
2:07
